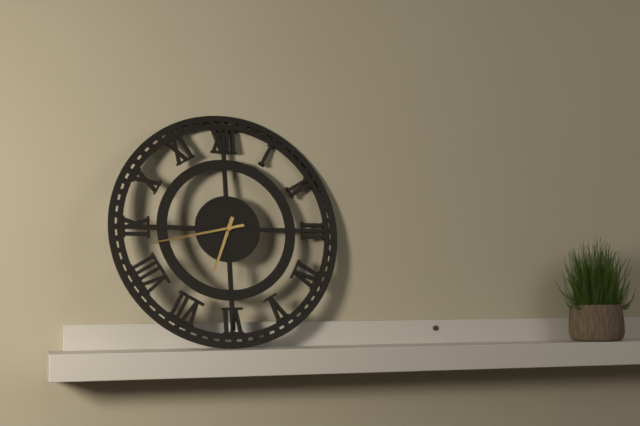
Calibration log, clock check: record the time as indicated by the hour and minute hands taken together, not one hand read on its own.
6:43
